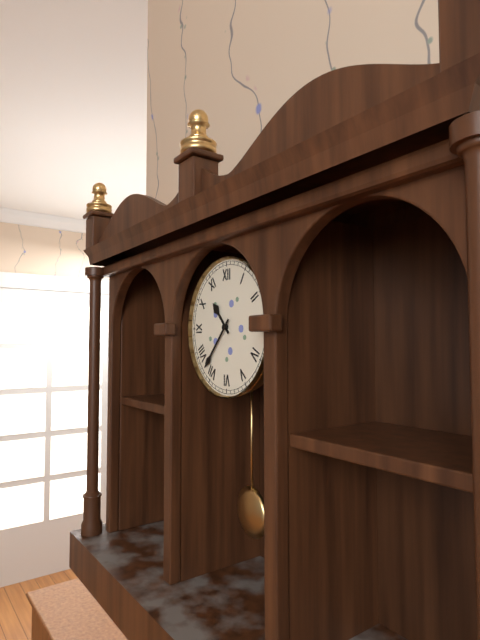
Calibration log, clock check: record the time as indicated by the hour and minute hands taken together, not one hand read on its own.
10:37
